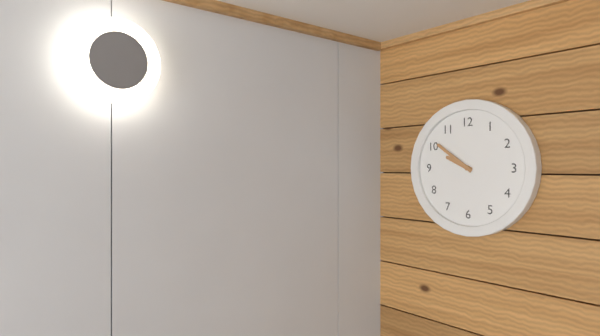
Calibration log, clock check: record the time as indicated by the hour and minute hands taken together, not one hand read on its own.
9:51
